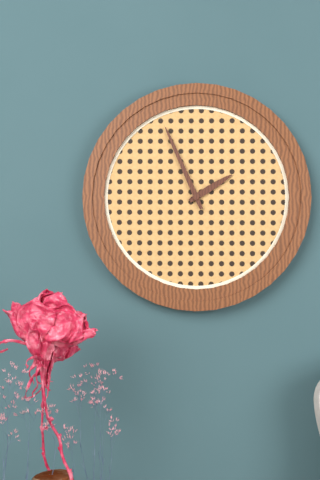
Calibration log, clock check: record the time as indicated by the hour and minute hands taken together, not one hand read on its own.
1:56
